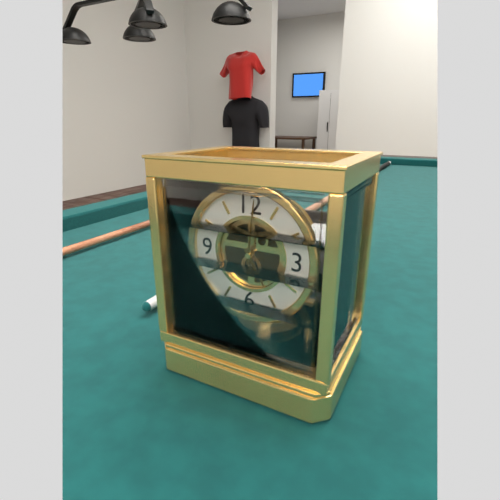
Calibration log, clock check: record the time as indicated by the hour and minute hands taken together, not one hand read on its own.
5:01
